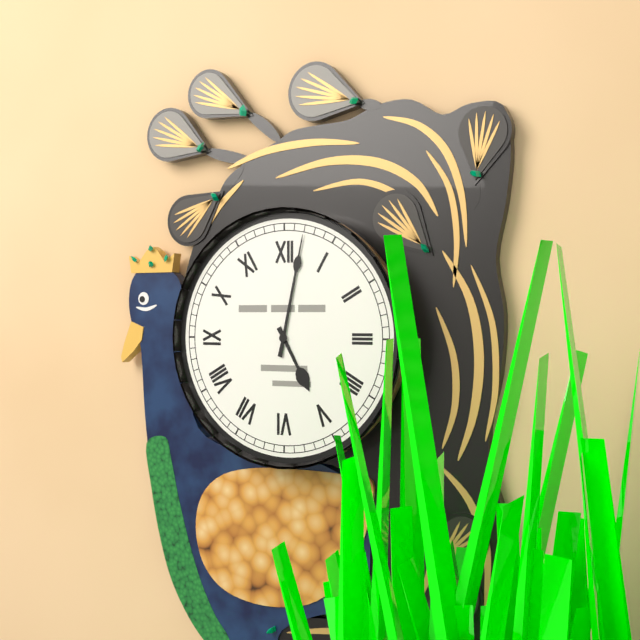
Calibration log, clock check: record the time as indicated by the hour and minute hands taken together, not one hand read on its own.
5:02
